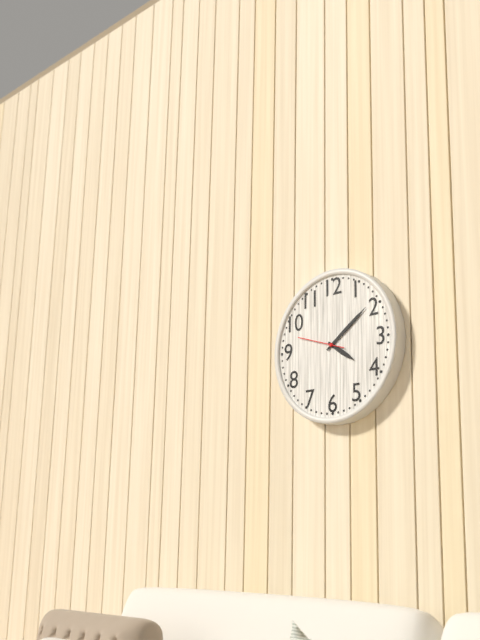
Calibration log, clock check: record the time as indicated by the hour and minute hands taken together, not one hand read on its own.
4:09
